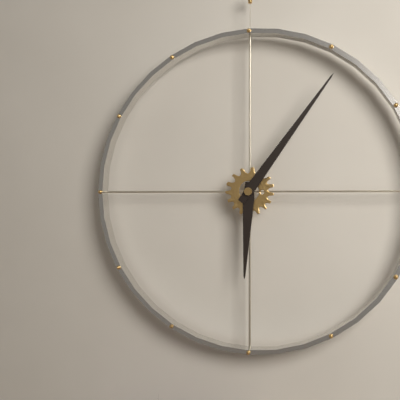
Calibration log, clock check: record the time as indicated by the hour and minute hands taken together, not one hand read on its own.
6:06
